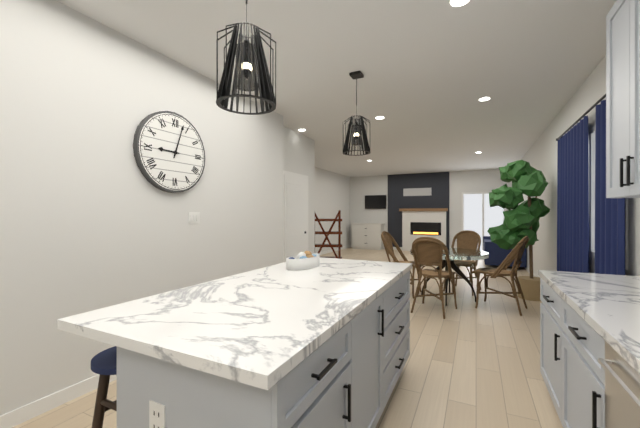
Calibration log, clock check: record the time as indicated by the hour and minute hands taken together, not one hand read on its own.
9:03
